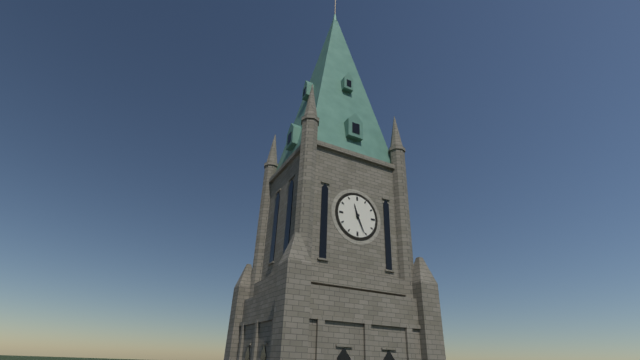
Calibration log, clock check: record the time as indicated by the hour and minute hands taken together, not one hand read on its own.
11:26
